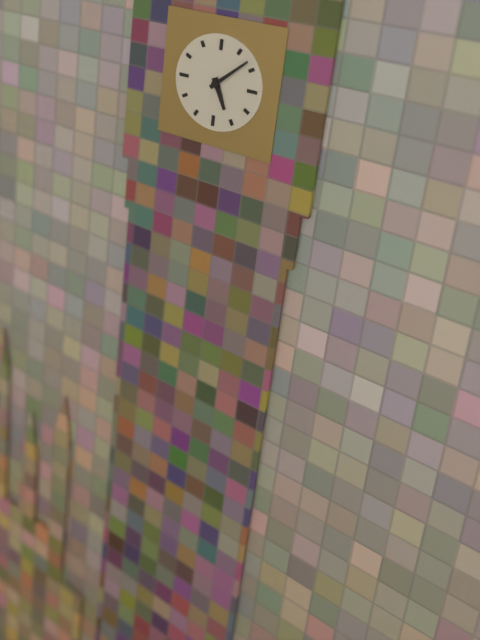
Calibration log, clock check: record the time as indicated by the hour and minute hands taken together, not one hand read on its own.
5:08
